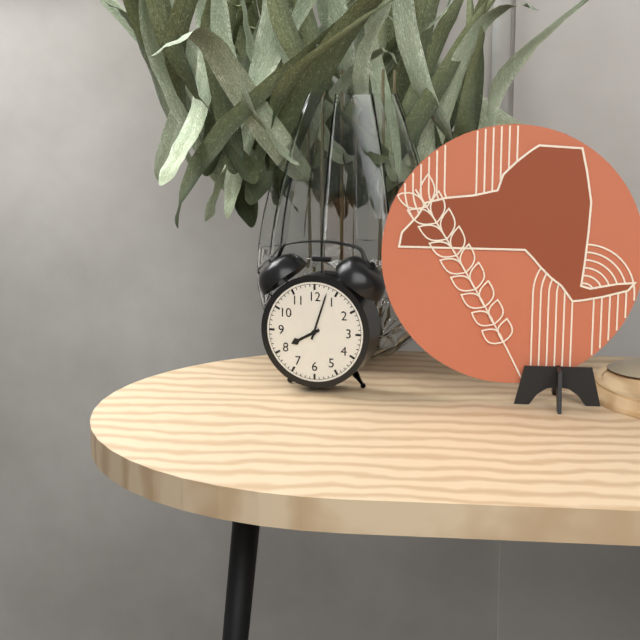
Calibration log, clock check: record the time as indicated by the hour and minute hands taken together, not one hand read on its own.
8:03
